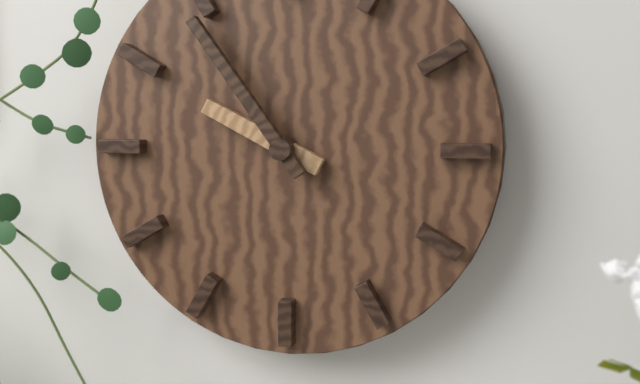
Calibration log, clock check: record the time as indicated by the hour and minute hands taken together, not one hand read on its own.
9:54
